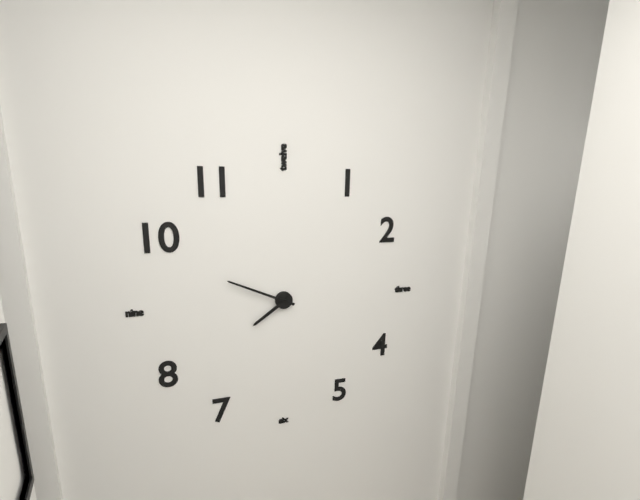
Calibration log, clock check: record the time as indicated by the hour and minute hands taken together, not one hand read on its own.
7:49
